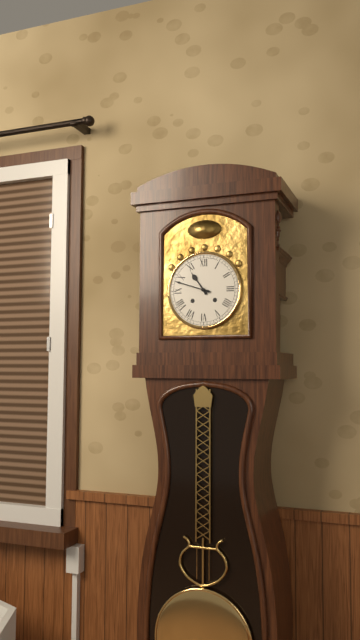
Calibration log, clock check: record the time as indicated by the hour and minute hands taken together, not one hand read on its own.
10:48
